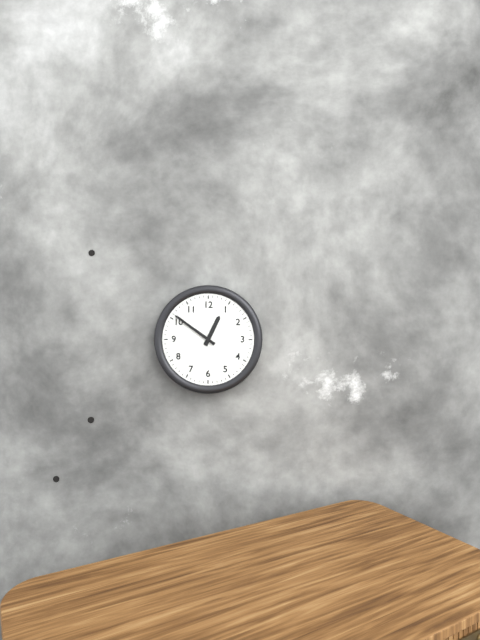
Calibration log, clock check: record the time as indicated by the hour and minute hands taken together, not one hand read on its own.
12:51
